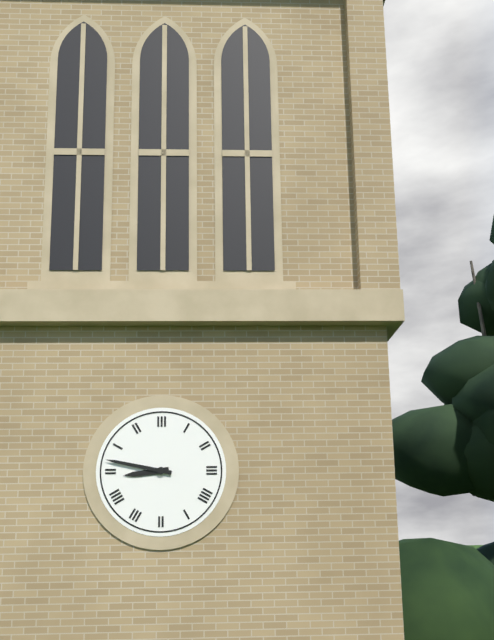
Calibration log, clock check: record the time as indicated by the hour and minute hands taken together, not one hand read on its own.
8:47
